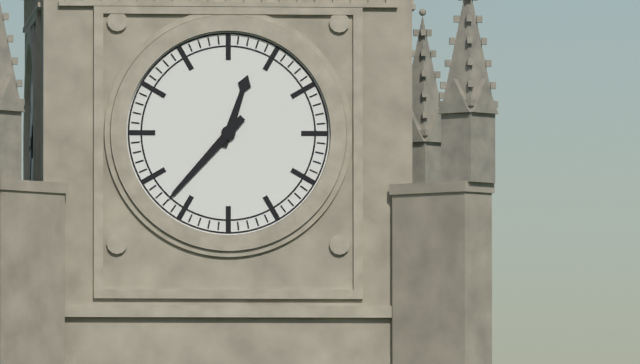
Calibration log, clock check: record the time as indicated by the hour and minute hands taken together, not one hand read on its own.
12:37
